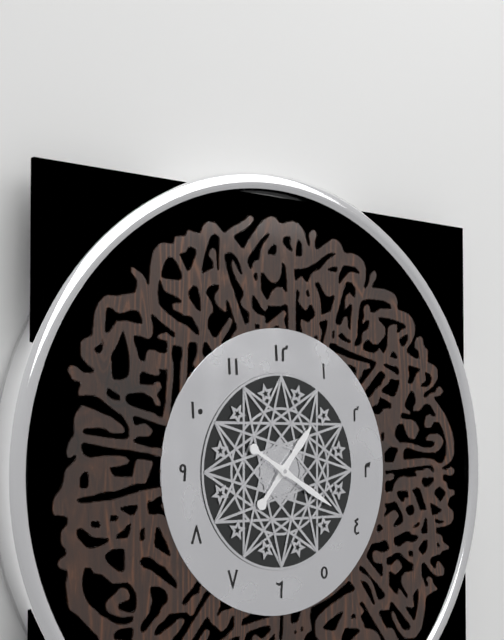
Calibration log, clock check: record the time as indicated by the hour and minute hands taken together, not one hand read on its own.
1:20
